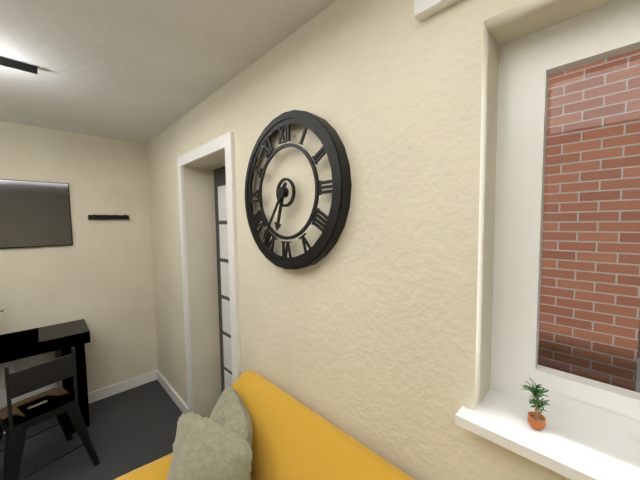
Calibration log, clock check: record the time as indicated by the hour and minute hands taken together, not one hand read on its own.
6:36
